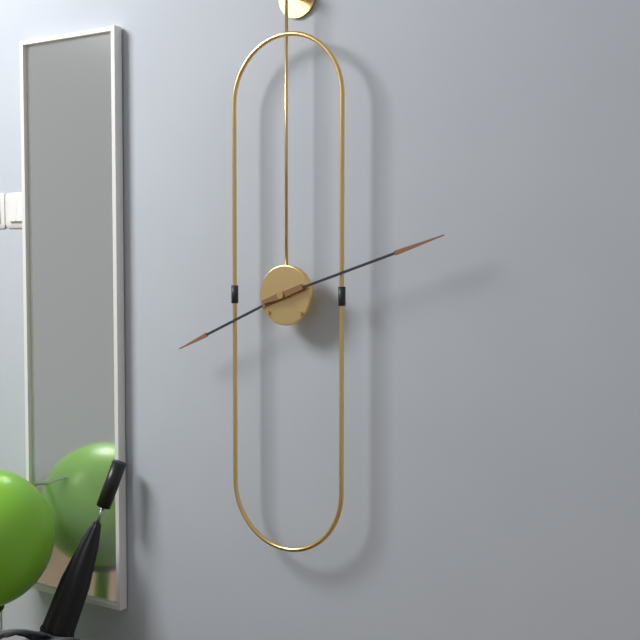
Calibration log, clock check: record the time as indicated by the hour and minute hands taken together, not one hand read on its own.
8:12
